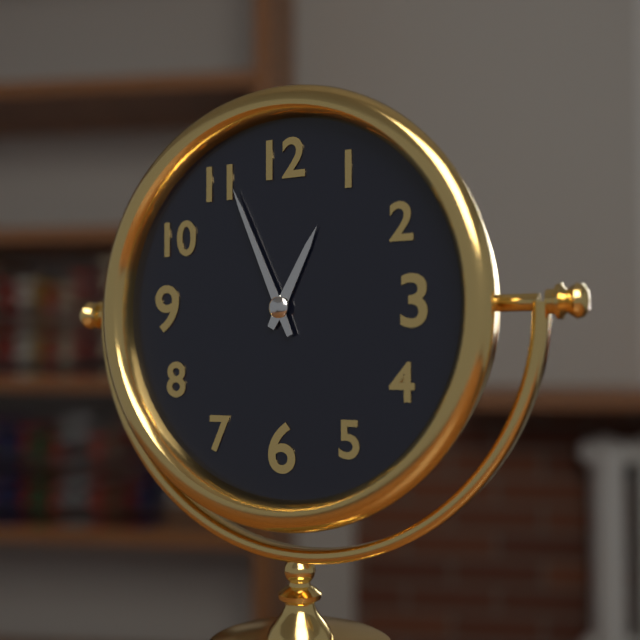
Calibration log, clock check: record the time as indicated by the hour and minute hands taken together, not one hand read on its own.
12:56
